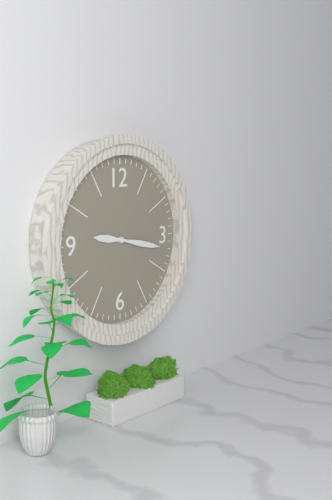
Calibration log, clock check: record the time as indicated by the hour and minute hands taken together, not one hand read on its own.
9:17
